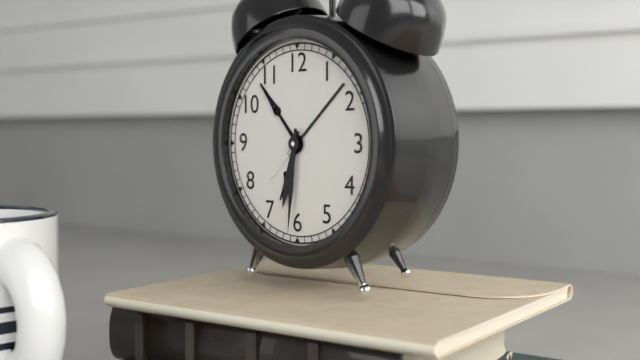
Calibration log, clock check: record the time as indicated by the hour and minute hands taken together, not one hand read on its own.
6:31
